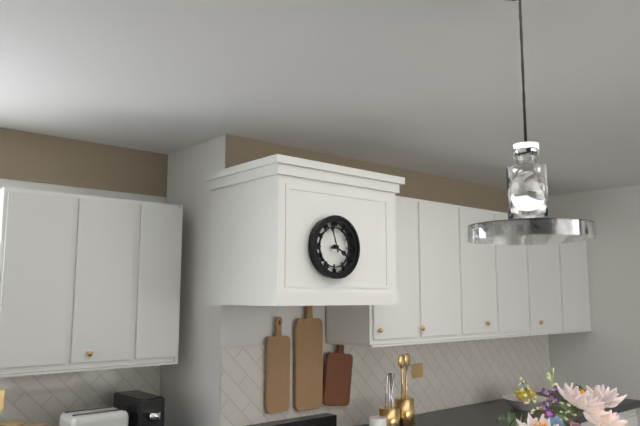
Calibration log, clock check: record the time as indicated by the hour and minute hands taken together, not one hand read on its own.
3:57
